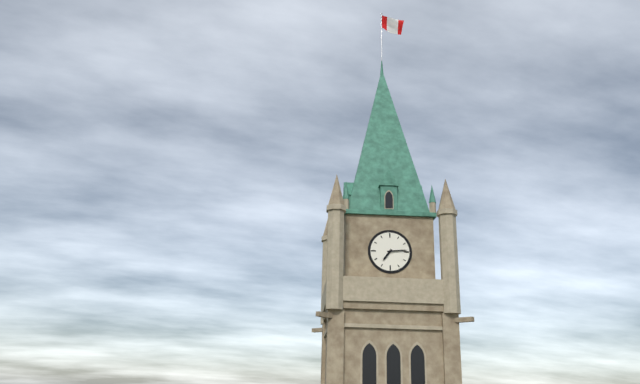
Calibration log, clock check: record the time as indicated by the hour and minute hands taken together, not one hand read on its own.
7:14
